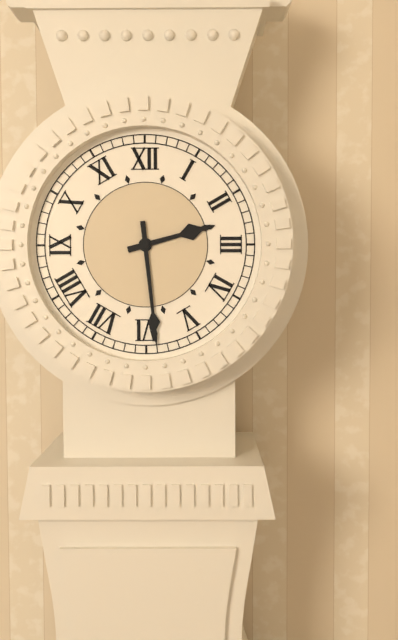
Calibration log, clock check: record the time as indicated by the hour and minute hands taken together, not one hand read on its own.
2:29
